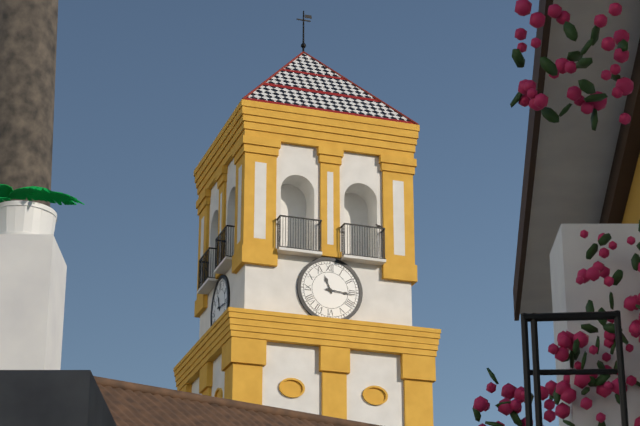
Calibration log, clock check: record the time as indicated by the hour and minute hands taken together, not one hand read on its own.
11:16
